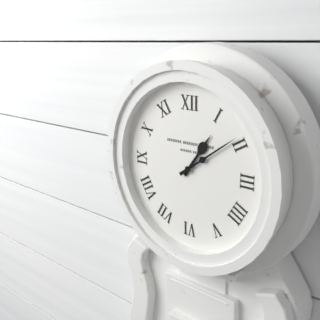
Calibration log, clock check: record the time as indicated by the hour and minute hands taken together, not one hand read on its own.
1:09
